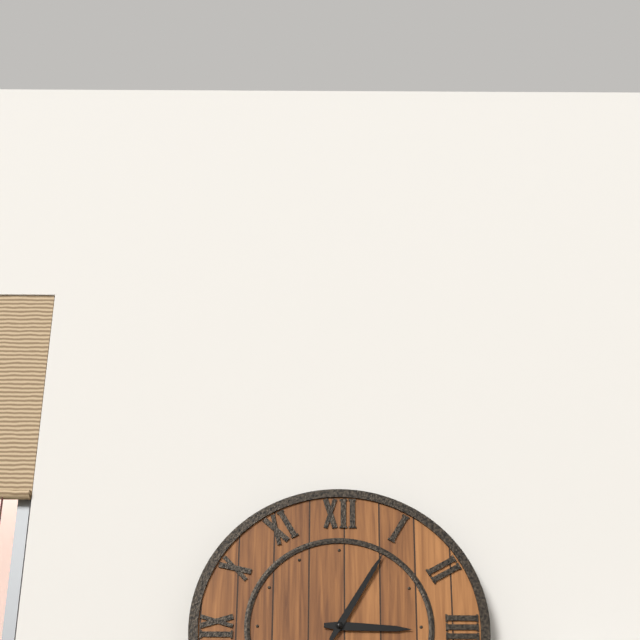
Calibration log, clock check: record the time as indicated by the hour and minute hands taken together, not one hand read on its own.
3:05
